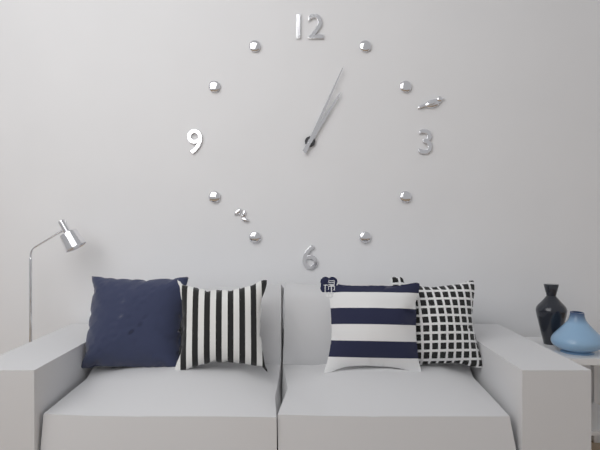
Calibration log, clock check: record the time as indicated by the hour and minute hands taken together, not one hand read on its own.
1:04
